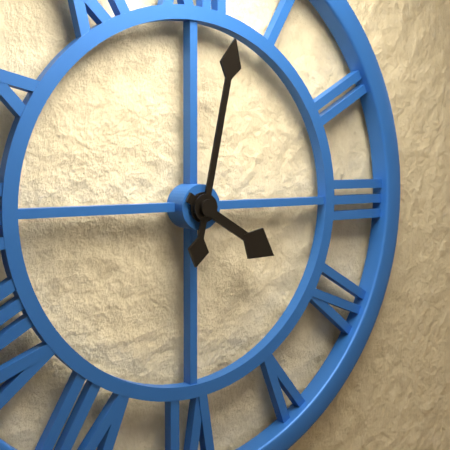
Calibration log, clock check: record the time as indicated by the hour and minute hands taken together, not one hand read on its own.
4:02
